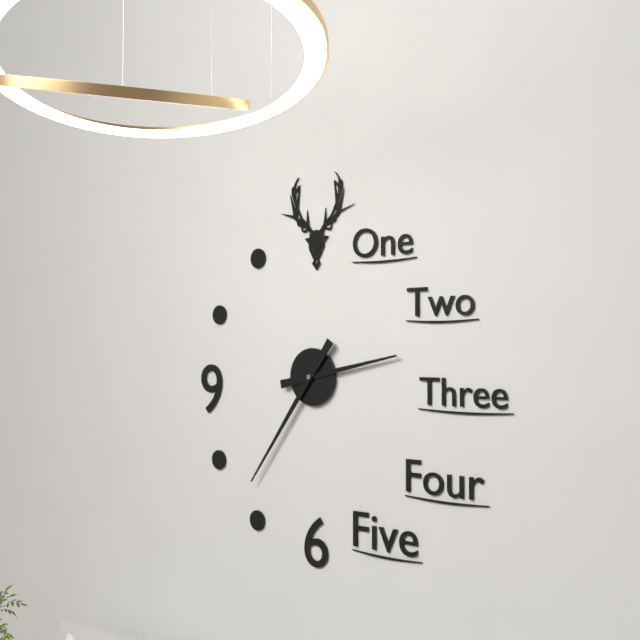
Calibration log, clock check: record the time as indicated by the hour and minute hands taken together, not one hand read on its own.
2:36
